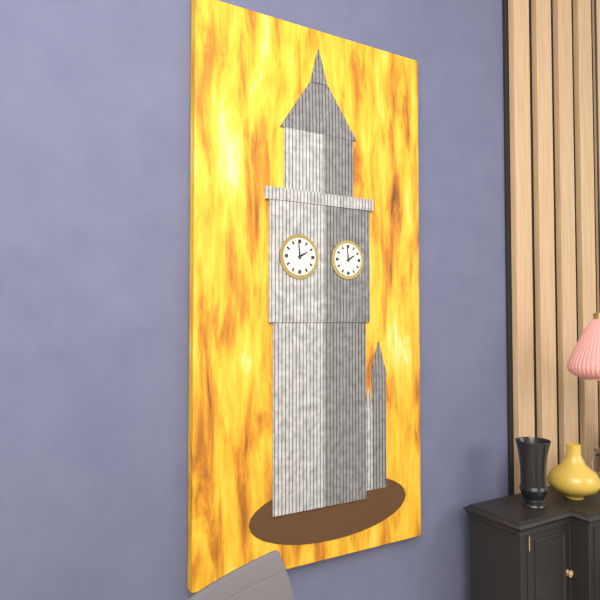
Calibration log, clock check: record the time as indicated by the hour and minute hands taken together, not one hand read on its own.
1:59
